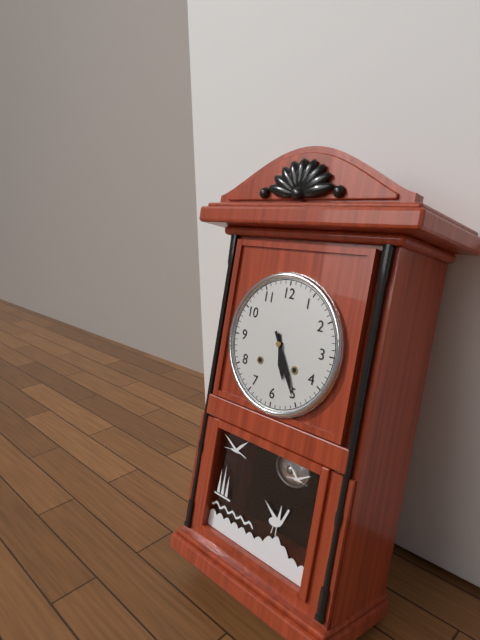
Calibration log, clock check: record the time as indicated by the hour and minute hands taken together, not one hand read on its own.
5:25
